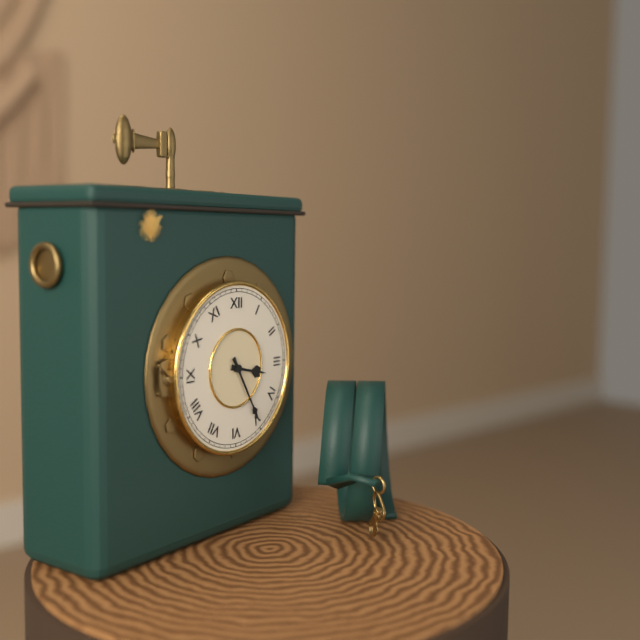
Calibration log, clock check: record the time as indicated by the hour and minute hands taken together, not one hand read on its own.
3:25
